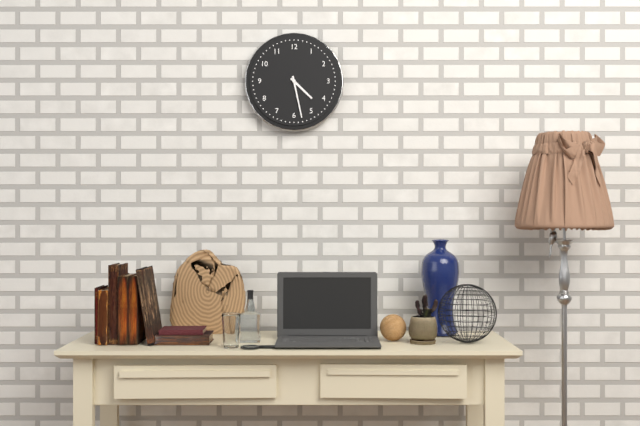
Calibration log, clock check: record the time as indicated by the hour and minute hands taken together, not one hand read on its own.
4:28
